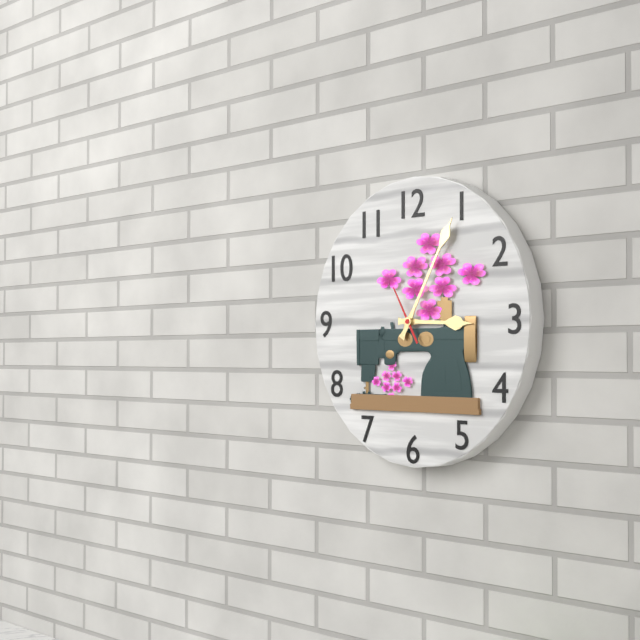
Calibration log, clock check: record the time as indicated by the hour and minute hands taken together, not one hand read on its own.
3:05
